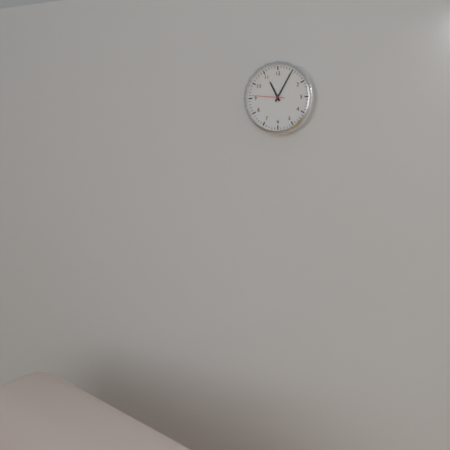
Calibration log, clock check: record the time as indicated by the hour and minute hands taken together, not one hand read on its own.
11:05
